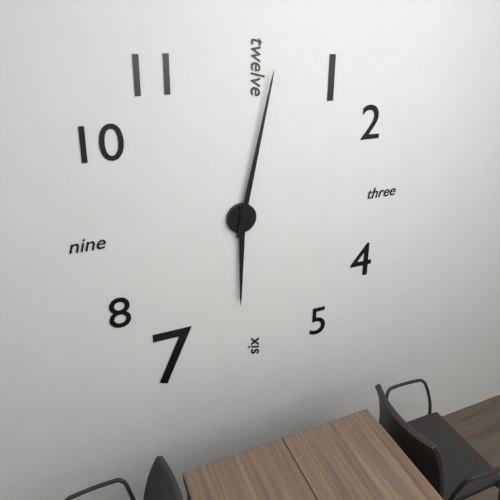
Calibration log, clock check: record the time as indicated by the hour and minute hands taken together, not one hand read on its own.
6:02
